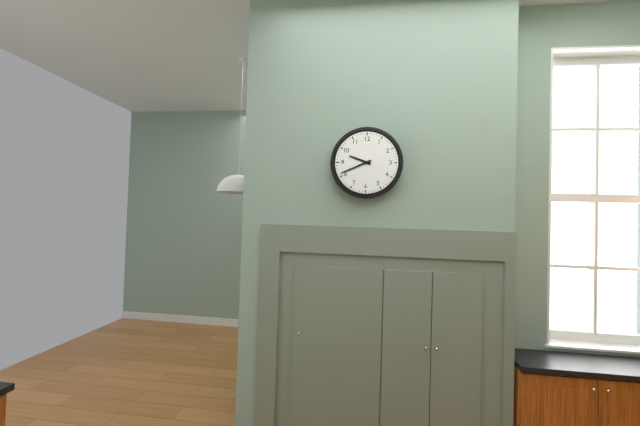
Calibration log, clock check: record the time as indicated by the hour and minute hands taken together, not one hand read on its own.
9:41
